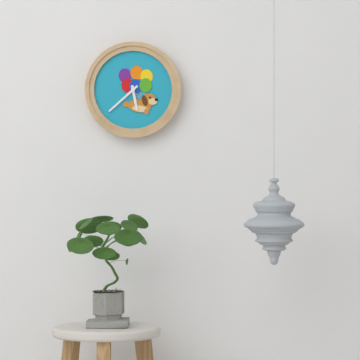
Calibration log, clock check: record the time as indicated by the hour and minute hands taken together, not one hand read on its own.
5:38
